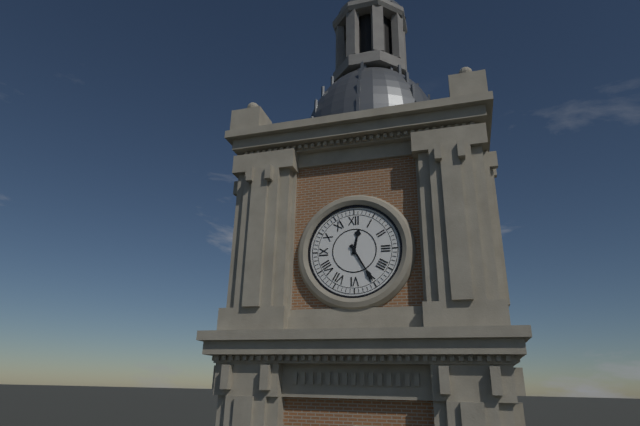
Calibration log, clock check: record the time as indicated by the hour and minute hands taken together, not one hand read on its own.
12:25
